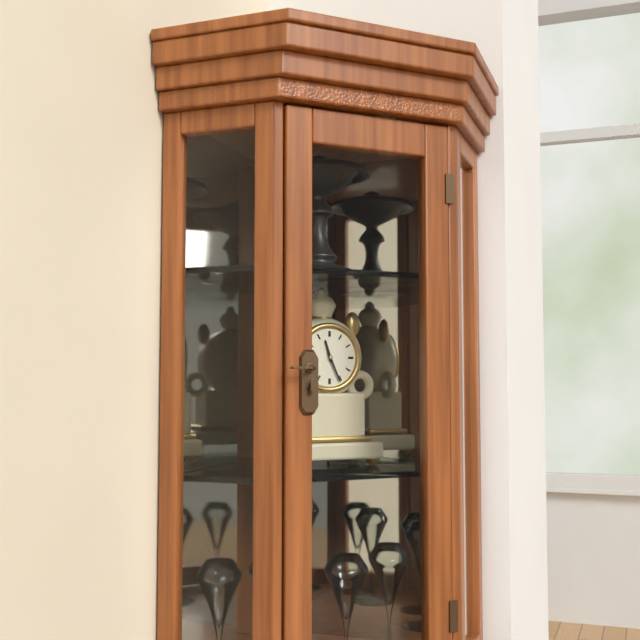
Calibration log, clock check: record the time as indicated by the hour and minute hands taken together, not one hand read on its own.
11:26
